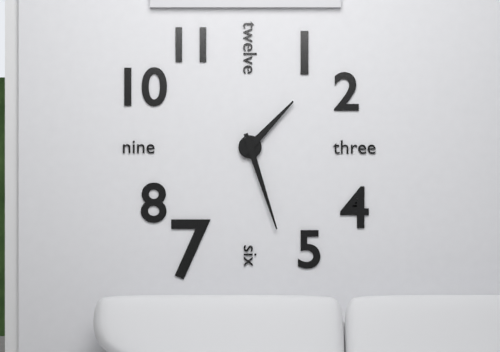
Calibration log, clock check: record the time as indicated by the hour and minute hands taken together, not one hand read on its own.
1:27
